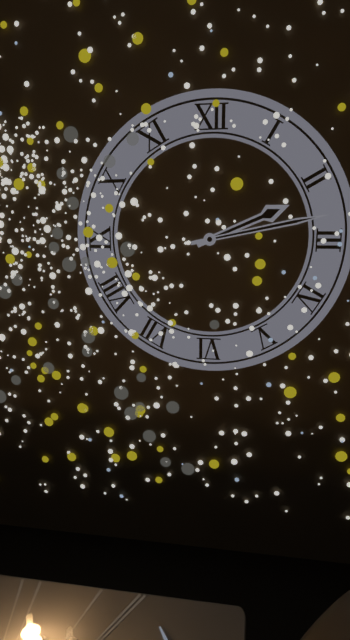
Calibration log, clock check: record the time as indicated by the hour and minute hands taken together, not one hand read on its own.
2:13
